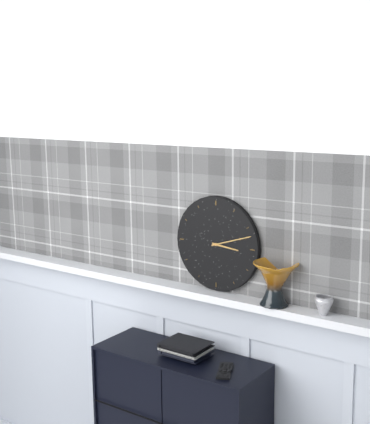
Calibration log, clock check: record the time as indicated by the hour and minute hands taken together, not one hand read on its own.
3:12
